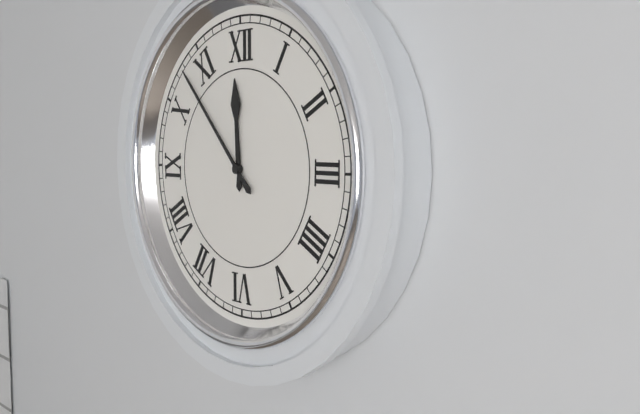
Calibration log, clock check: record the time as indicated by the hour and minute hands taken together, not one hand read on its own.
11:53
